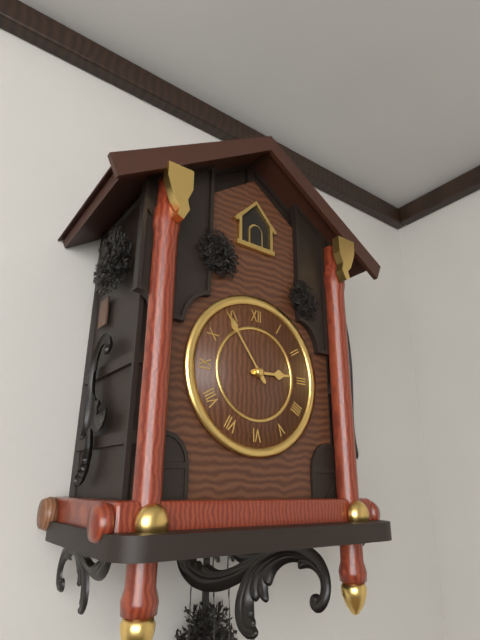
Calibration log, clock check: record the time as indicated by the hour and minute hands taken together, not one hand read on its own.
2:54
